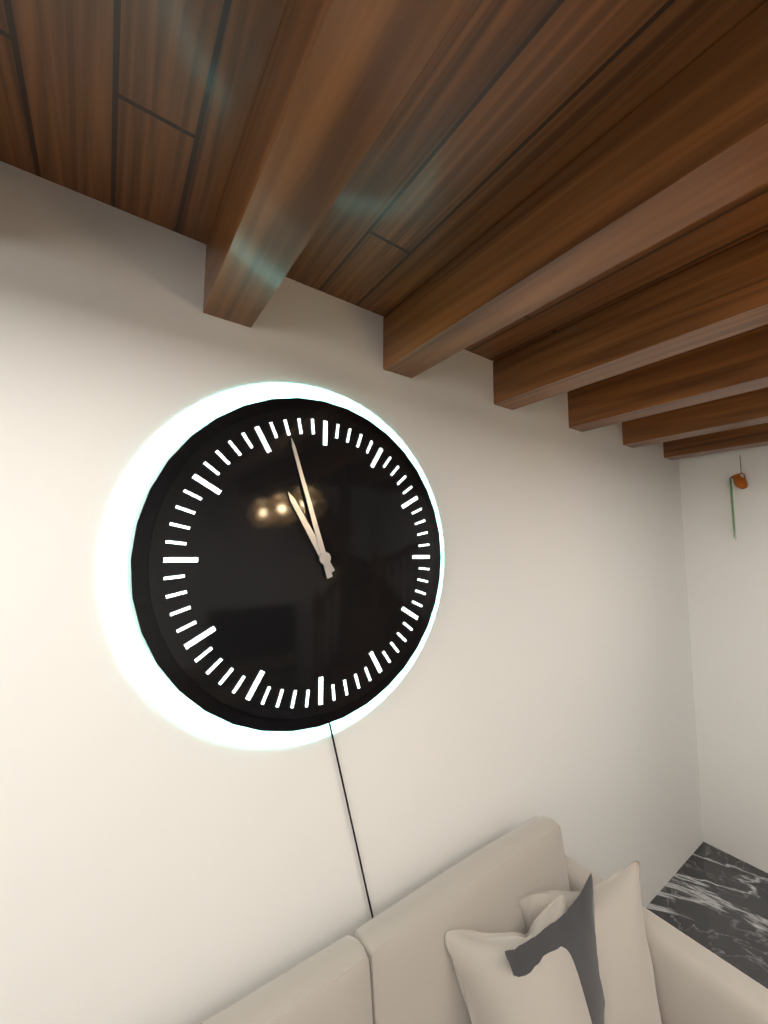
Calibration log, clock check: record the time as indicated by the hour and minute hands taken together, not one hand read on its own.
10:57
